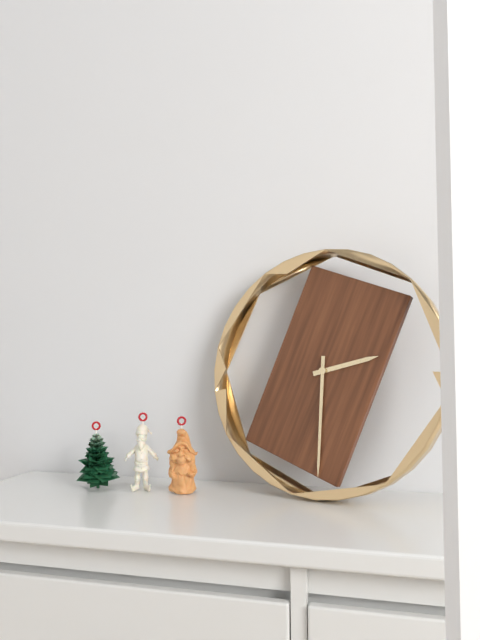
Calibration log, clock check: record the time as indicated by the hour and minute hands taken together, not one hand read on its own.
2:30
